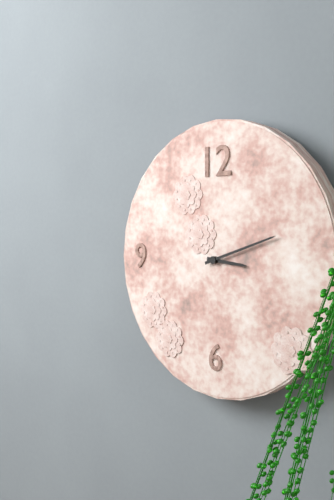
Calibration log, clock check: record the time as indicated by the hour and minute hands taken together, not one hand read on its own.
3:12
